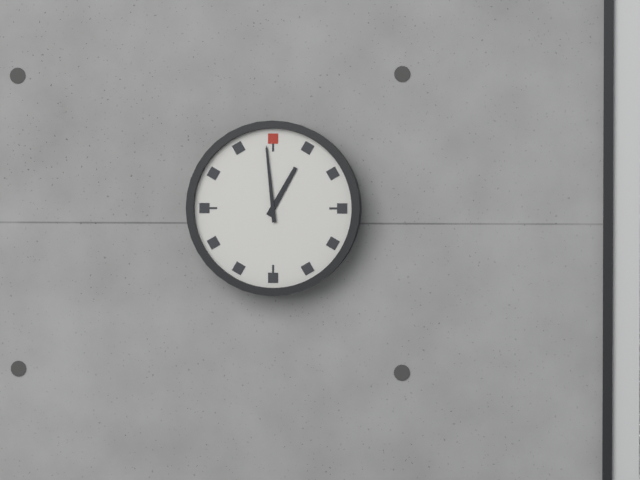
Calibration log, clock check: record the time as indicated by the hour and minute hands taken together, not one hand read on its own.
12:59
